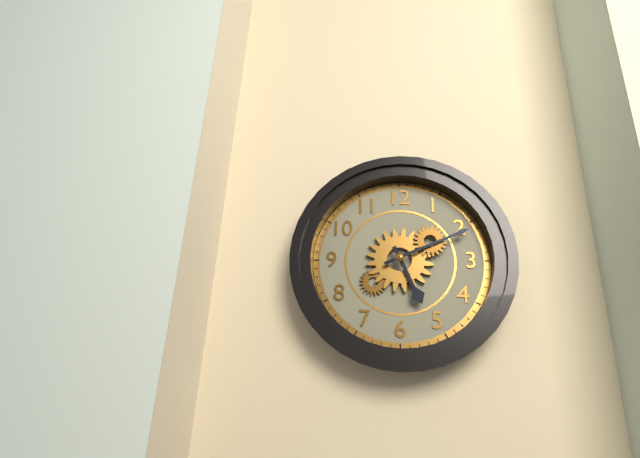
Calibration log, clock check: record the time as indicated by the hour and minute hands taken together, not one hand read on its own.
5:11
